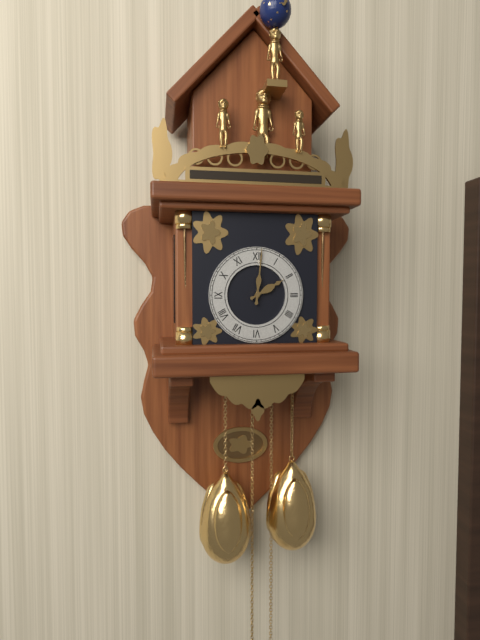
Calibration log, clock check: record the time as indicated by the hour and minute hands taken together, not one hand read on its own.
2:01
